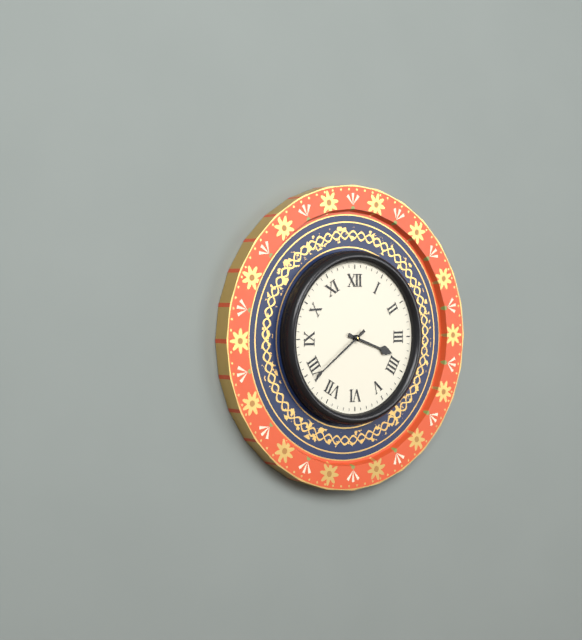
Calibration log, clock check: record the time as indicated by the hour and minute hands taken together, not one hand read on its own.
3:39
